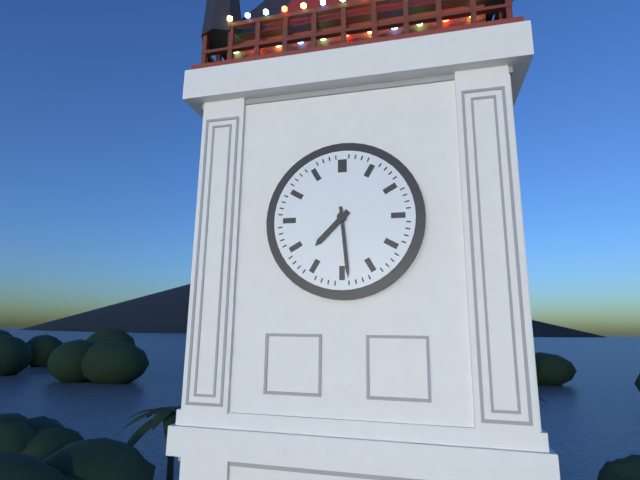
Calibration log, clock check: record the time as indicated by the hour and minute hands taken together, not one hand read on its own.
7:29
